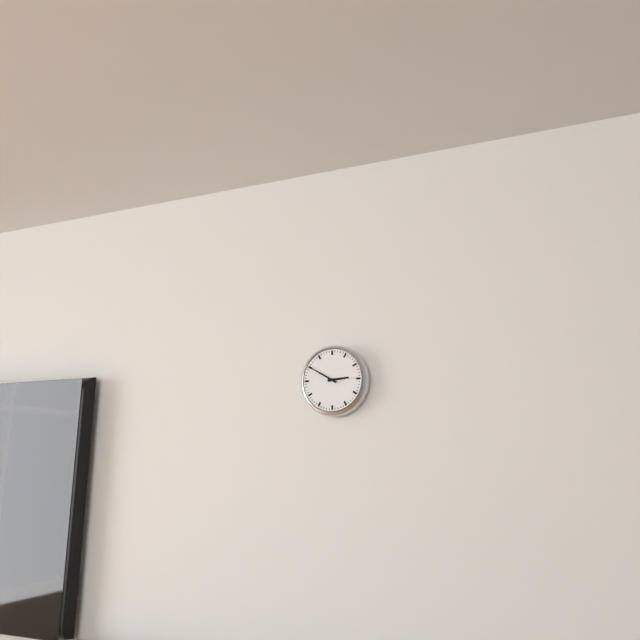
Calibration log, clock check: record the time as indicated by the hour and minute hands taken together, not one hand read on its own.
2:50
